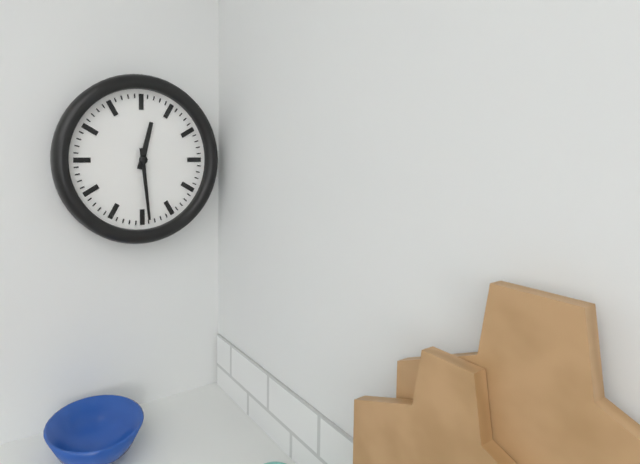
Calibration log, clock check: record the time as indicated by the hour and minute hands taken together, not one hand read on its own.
12:29
